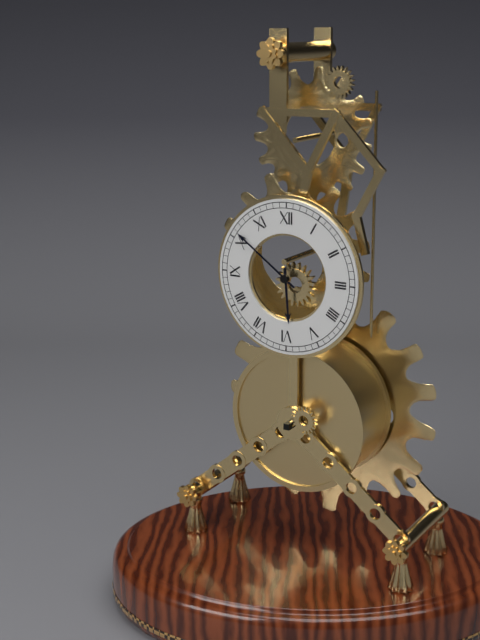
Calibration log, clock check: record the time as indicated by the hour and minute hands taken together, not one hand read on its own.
5:51
